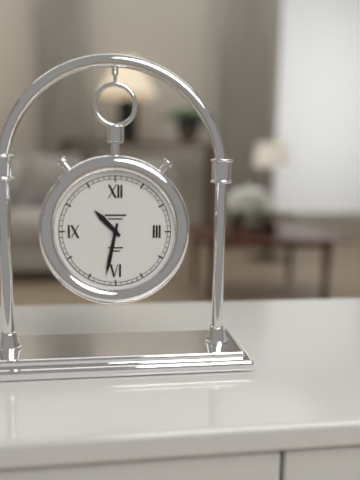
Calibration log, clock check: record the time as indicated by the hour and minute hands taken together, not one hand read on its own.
10:32
